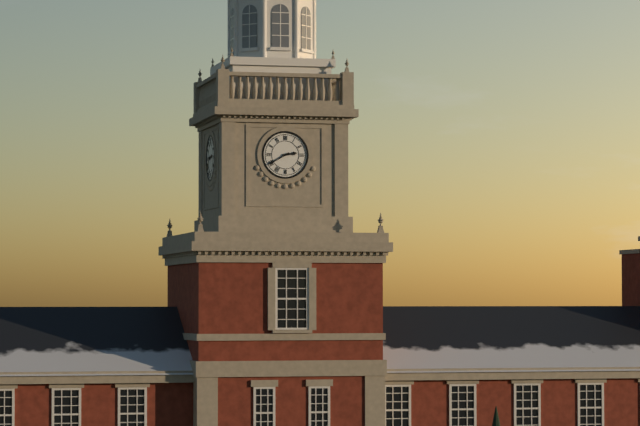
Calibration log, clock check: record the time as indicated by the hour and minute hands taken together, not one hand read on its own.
2:40
